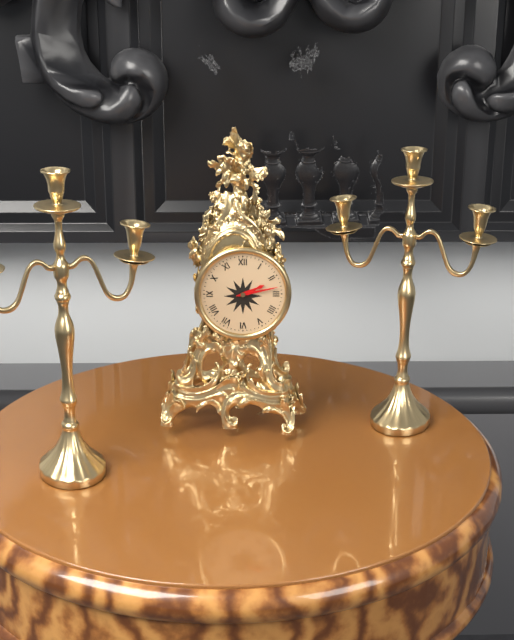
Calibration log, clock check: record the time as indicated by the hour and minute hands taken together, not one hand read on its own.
2:13
